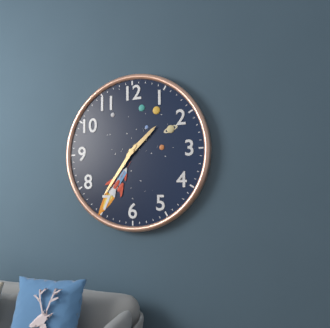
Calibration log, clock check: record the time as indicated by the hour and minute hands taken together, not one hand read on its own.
1:36
